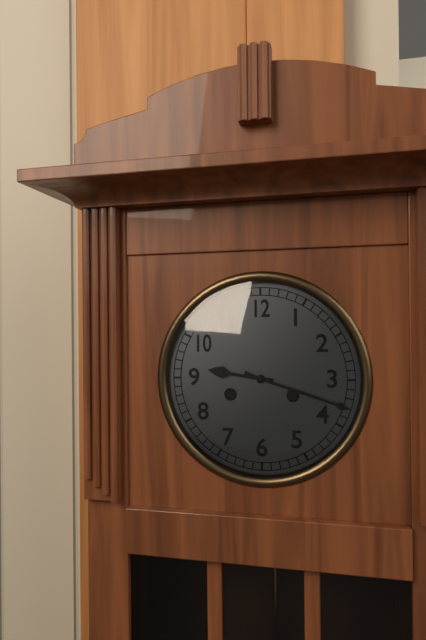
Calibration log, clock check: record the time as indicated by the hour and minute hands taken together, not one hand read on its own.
9:18
